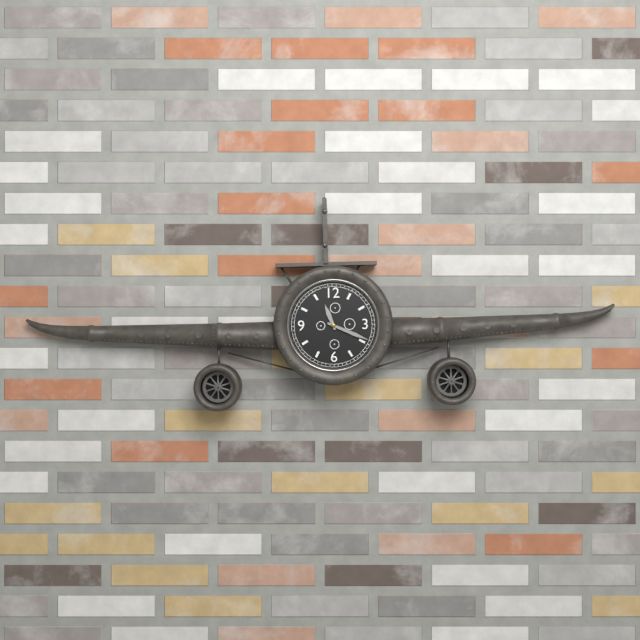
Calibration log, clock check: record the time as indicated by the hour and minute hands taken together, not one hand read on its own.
11:19
